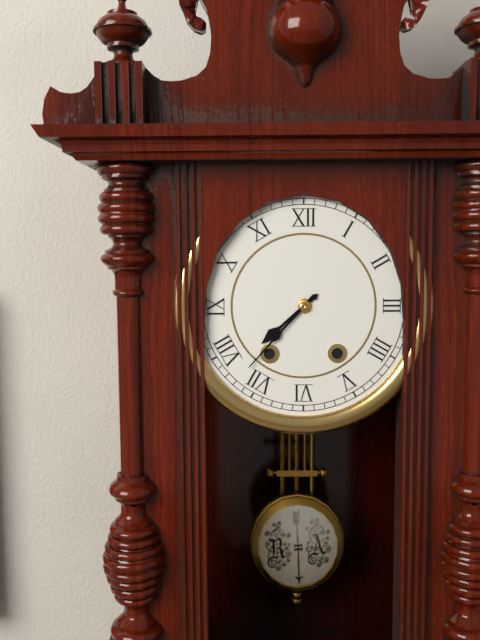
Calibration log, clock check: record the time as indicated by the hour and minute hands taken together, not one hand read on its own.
7:37
